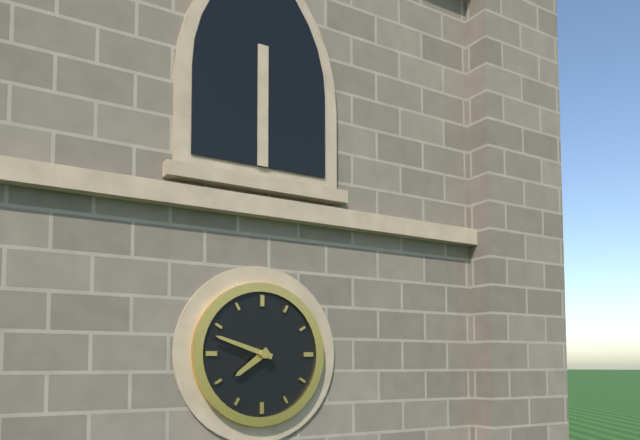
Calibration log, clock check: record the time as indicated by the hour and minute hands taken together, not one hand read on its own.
7:48
